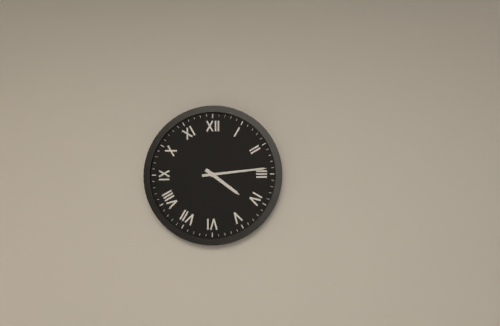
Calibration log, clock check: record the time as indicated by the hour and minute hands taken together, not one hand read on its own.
4:14
